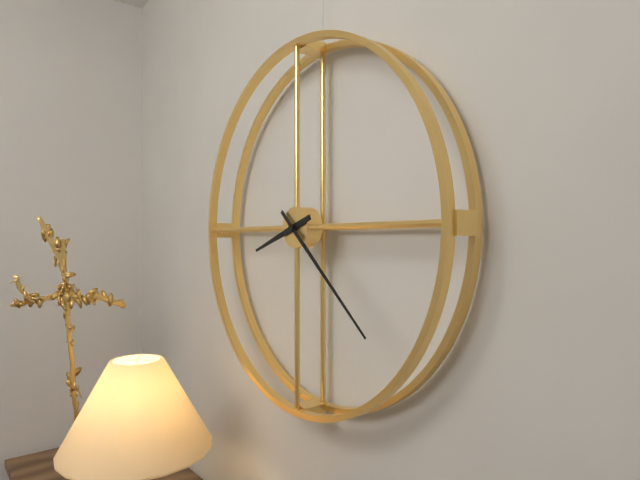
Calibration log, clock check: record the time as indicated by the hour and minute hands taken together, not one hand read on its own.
8:22
